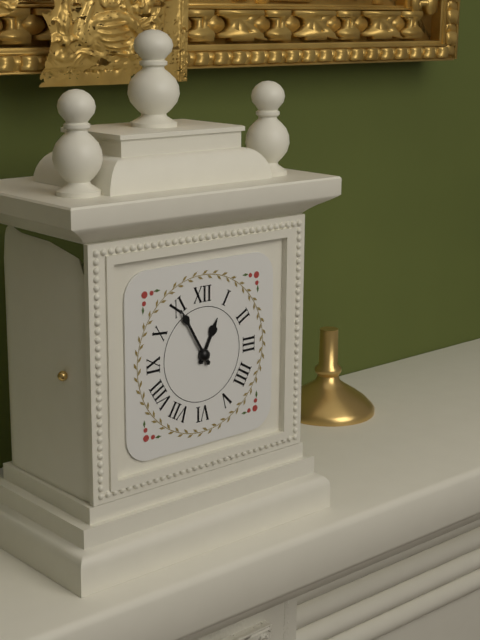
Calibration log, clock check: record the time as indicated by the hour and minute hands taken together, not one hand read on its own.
12:55
